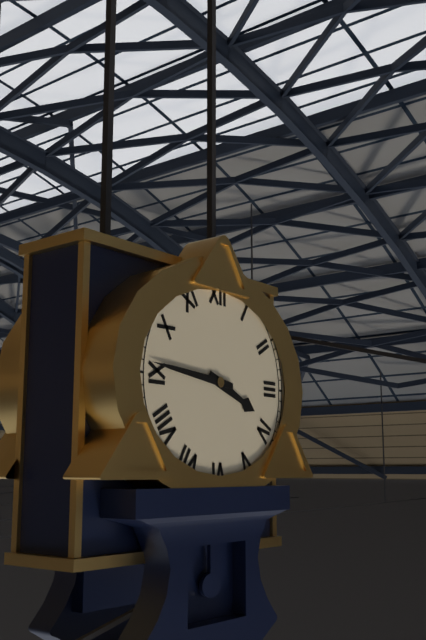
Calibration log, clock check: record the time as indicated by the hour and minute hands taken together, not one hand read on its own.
3:46
